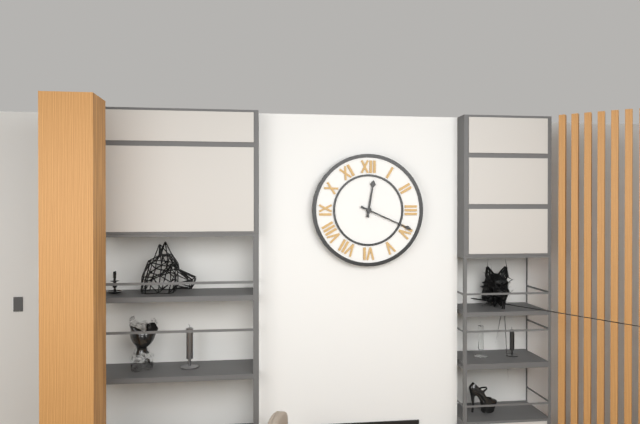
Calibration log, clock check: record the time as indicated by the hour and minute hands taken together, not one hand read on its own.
12:19
